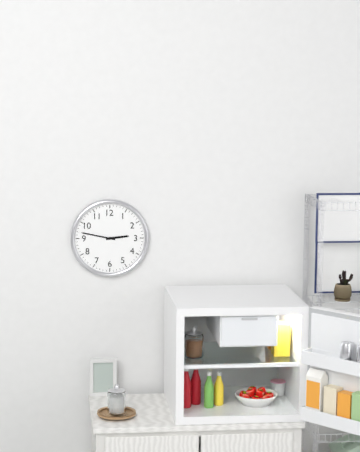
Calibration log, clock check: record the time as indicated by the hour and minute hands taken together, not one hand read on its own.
2:47
